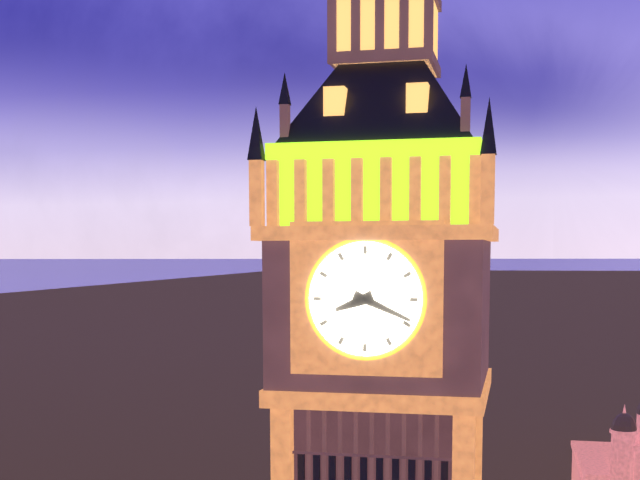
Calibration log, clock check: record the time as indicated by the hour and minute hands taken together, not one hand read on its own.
8:19
